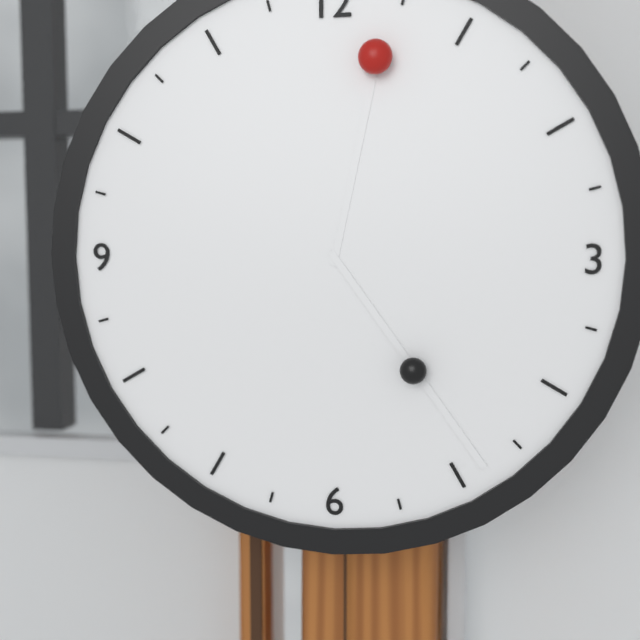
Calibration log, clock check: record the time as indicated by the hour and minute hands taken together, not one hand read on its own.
12:24
